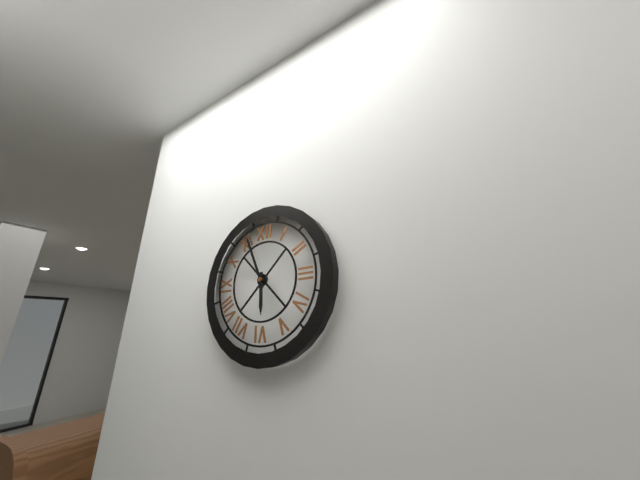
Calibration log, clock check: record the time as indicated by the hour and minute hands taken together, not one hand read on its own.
5:56
